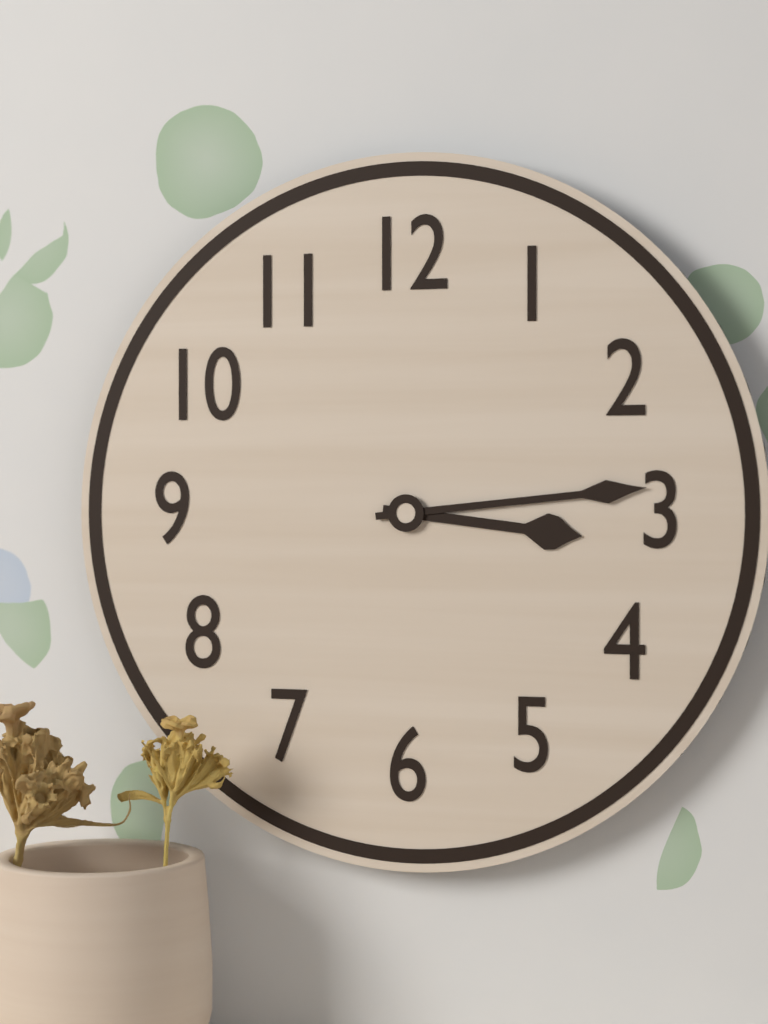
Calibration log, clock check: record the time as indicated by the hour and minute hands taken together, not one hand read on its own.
3:14
